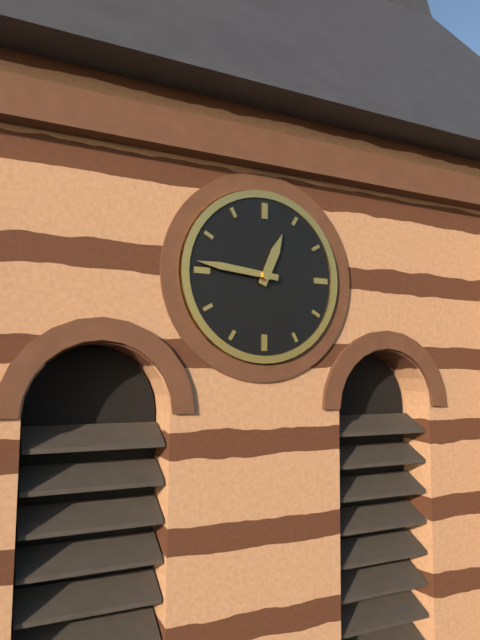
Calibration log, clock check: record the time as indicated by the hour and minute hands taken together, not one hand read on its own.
12:46
